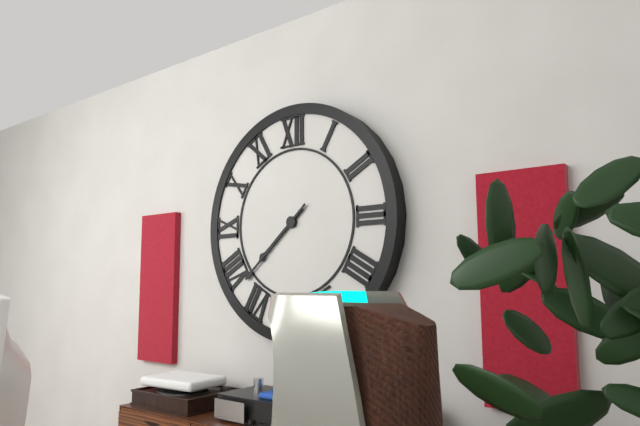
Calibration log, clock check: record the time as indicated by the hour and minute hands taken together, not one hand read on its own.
7:38
